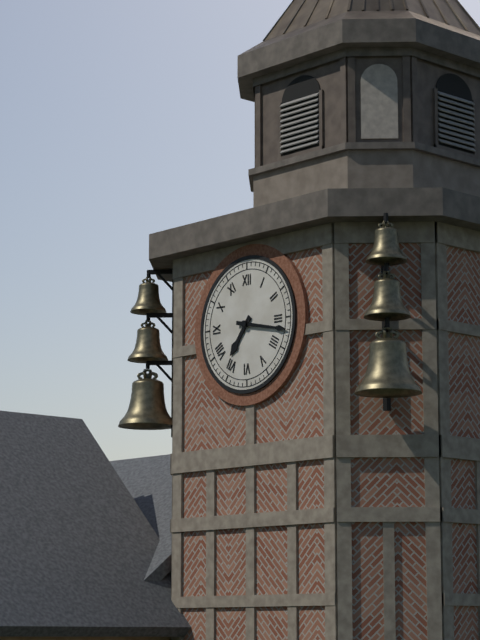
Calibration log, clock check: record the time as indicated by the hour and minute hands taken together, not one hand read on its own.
7:17
